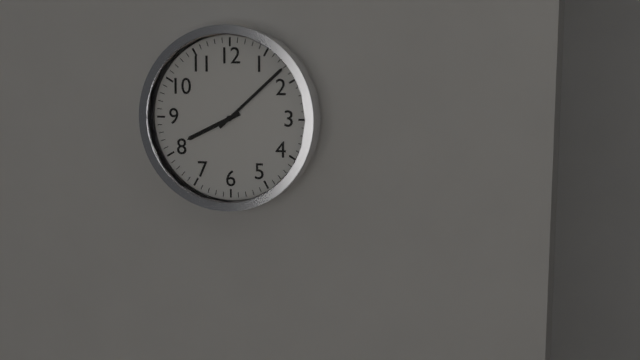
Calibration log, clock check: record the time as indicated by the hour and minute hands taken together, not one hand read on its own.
8:08
